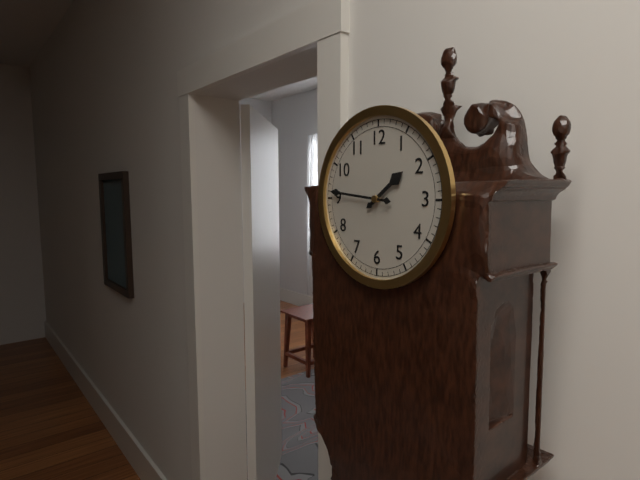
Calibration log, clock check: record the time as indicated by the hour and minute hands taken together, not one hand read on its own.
1:46
